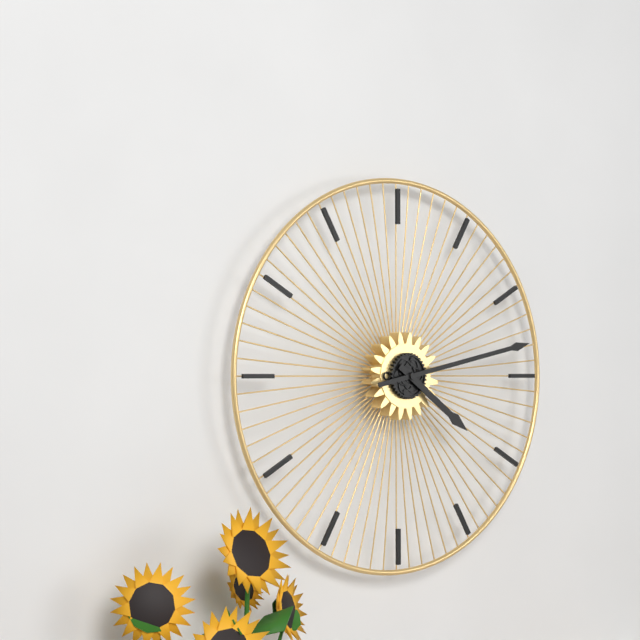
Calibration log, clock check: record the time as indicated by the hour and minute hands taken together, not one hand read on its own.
4:13
